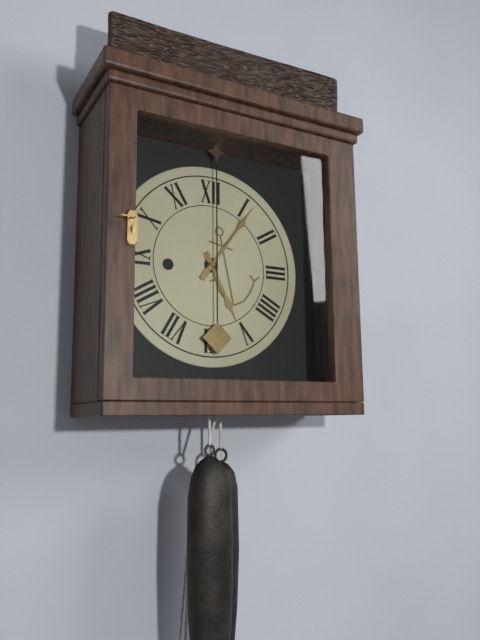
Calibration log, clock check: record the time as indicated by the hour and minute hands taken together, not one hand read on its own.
5:06
